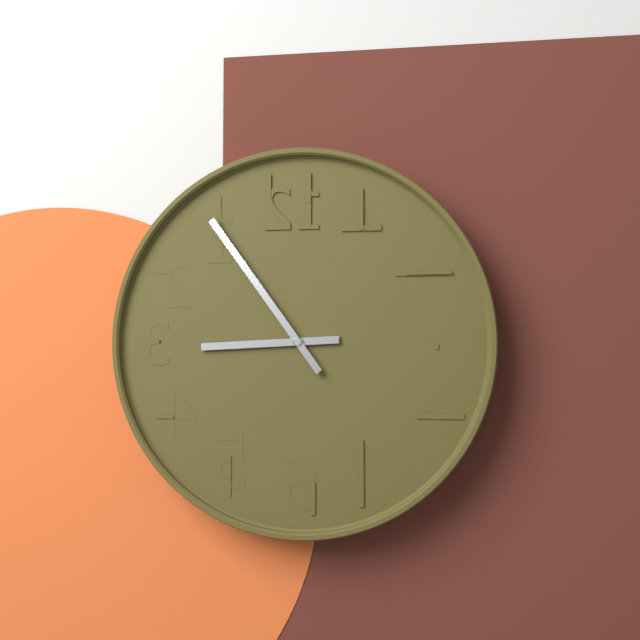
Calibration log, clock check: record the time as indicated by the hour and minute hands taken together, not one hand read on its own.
8:54
